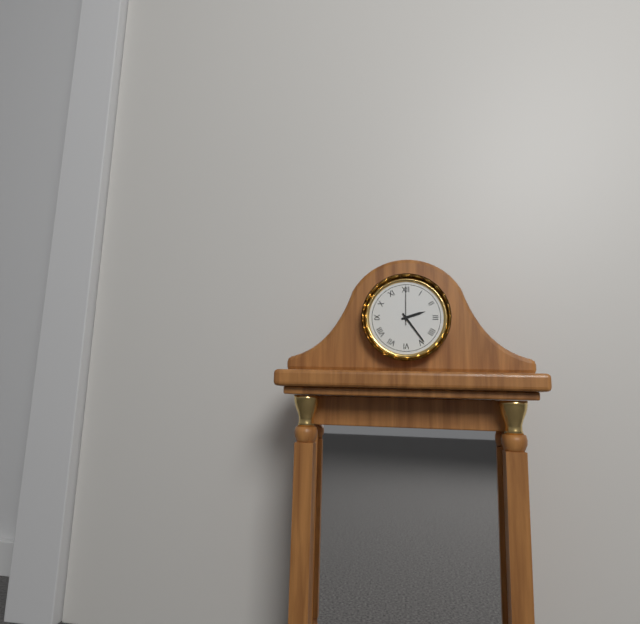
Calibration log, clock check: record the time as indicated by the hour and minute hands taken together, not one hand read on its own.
2:24
